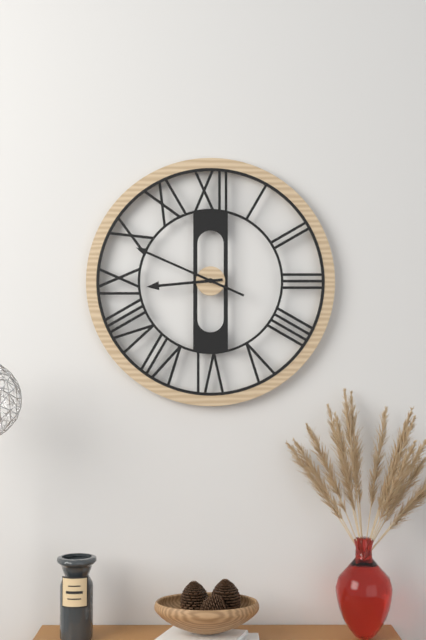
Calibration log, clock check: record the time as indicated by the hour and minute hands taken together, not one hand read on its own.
8:49
